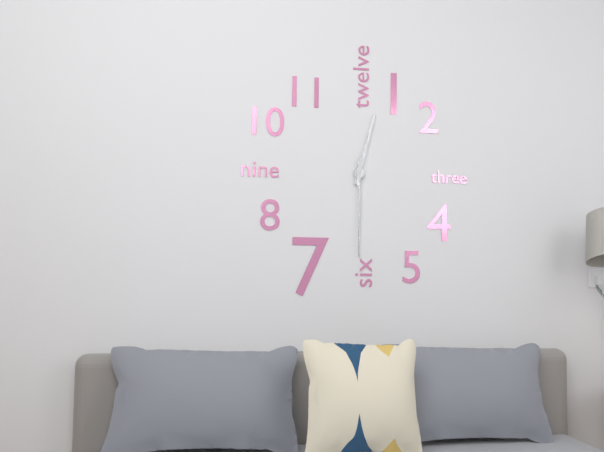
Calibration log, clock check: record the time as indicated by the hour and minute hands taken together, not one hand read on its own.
12:30
